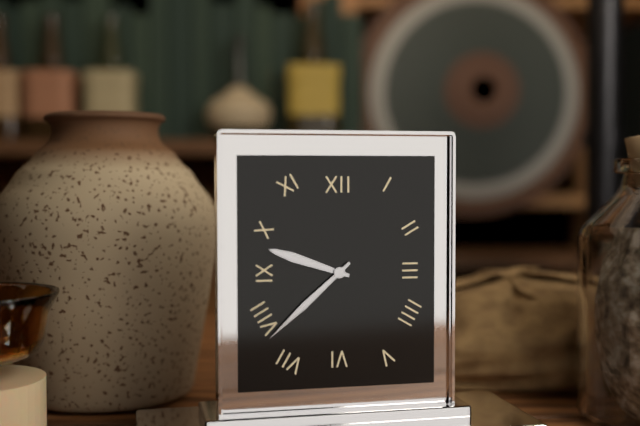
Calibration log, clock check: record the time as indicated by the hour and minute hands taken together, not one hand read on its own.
9:38
